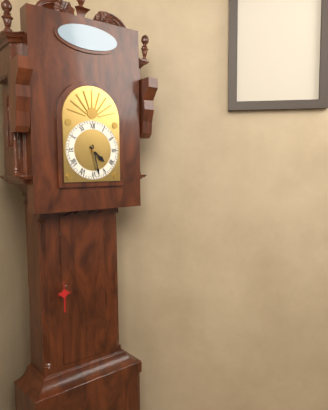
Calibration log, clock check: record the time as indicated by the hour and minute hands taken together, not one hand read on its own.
4:28
